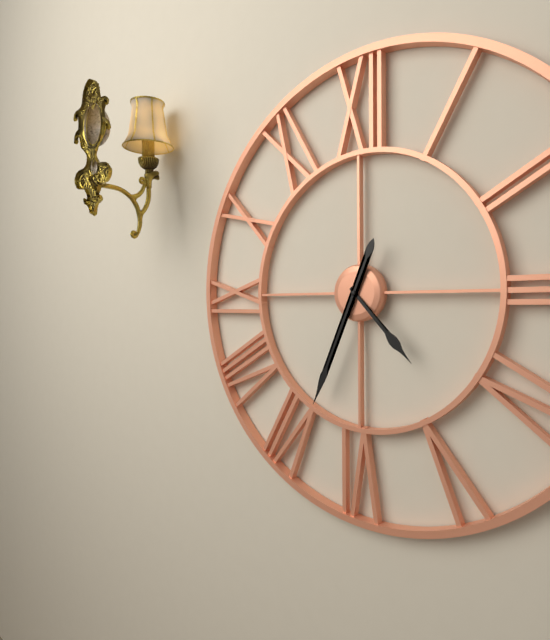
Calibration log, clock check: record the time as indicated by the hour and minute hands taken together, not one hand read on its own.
4:34
